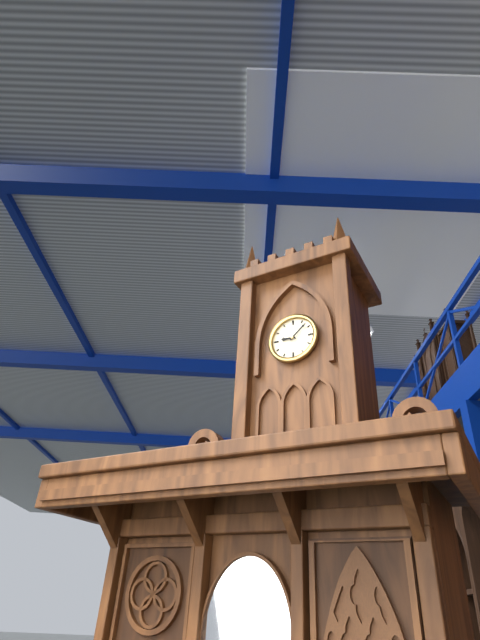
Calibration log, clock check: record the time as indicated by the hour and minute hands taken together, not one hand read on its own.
9:08
